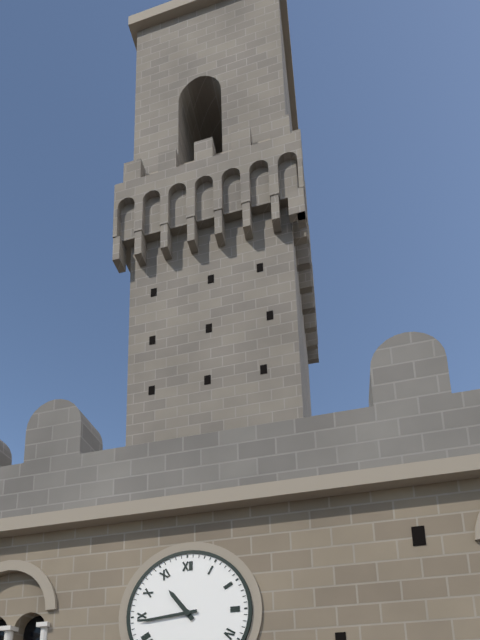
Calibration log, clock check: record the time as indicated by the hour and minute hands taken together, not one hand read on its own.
10:44
